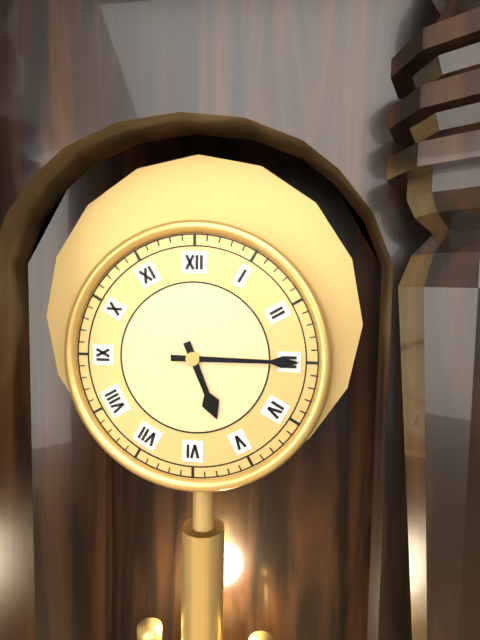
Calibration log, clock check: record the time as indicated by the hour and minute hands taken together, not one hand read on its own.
5:15
